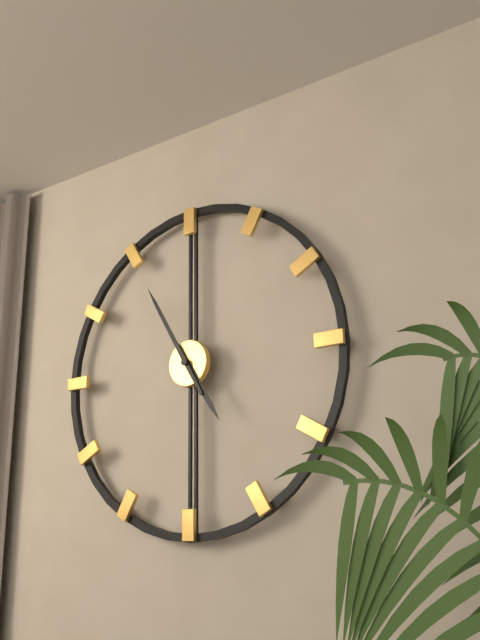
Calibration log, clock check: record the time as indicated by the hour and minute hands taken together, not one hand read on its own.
4:55
